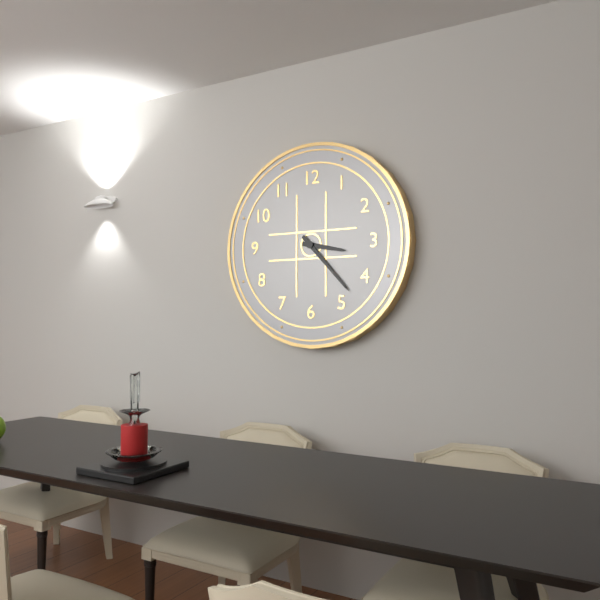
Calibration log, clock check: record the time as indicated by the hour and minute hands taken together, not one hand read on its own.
3:23
